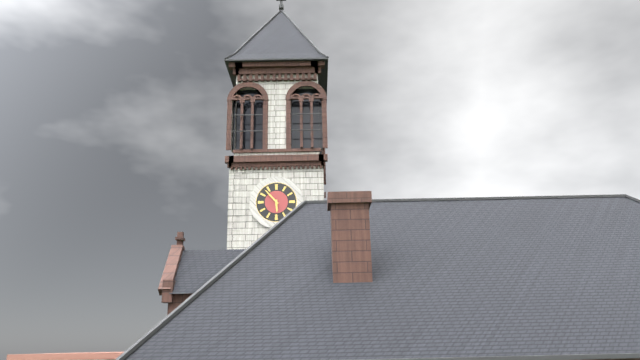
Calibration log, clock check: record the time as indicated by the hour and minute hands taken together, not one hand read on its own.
5:53
